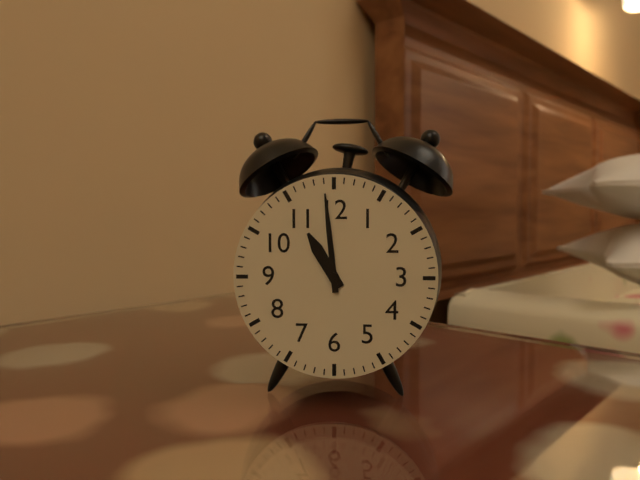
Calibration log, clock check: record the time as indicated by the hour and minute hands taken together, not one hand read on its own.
10:59
